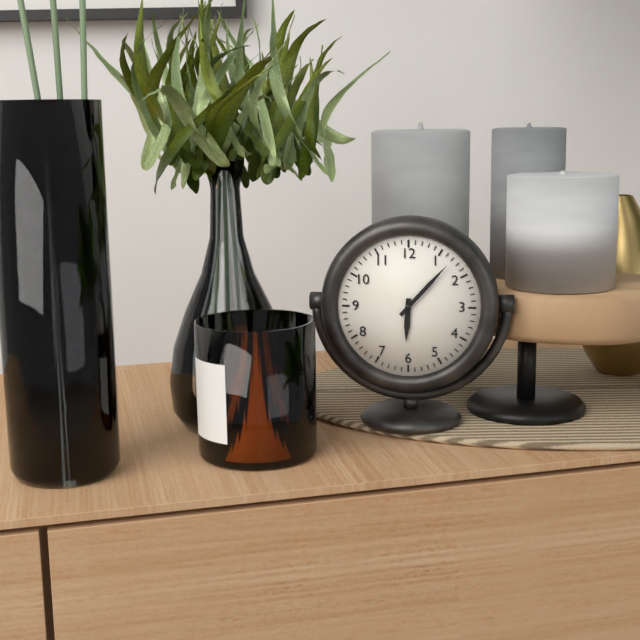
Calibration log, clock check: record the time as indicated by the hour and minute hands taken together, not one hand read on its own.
6:07
